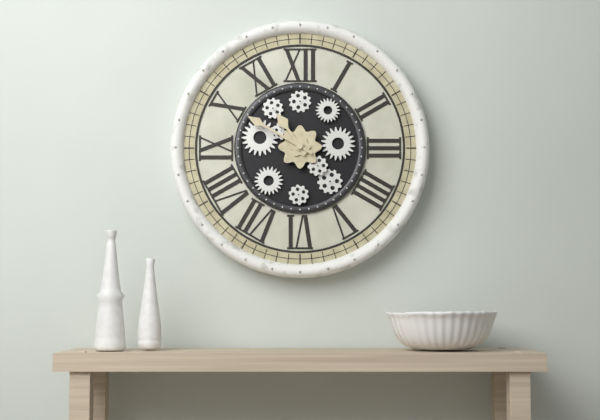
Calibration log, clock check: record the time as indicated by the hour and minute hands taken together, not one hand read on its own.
10:50
